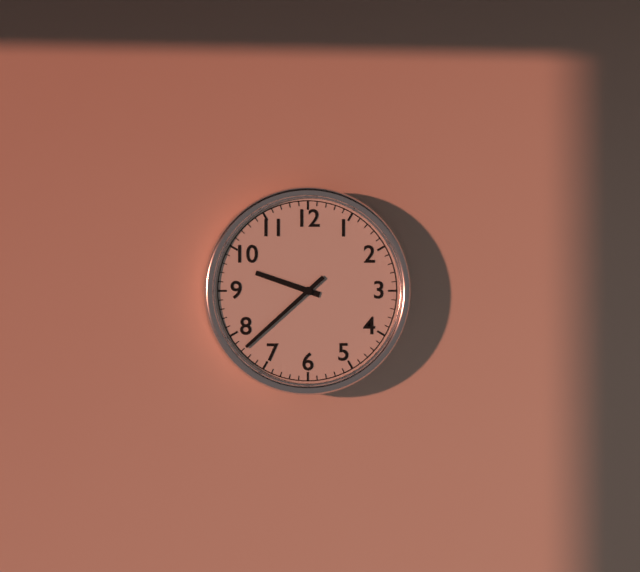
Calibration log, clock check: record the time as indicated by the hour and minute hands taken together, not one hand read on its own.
9:38
